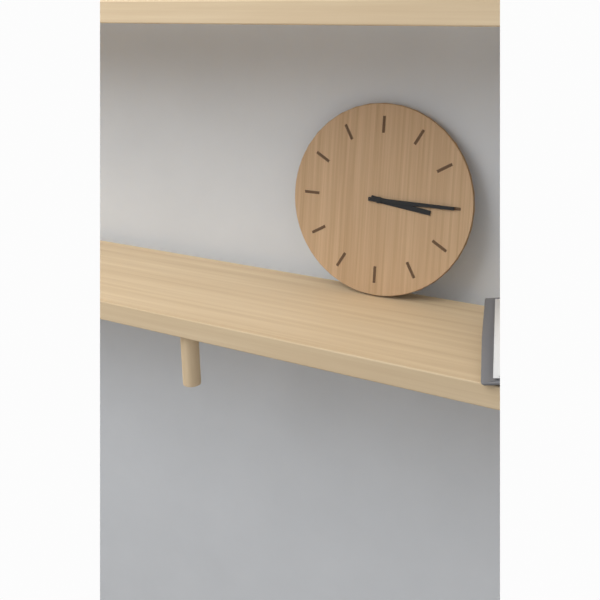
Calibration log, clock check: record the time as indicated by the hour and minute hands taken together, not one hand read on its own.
3:15
